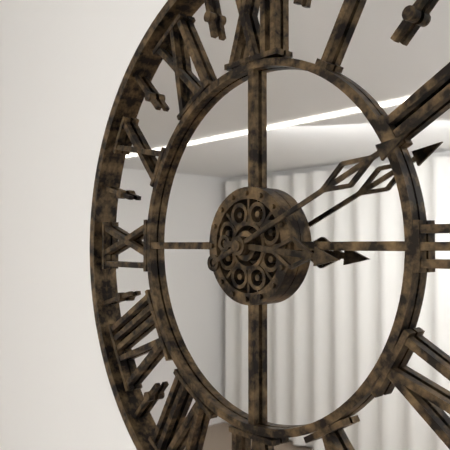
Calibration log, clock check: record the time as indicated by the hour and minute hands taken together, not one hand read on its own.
3:11
